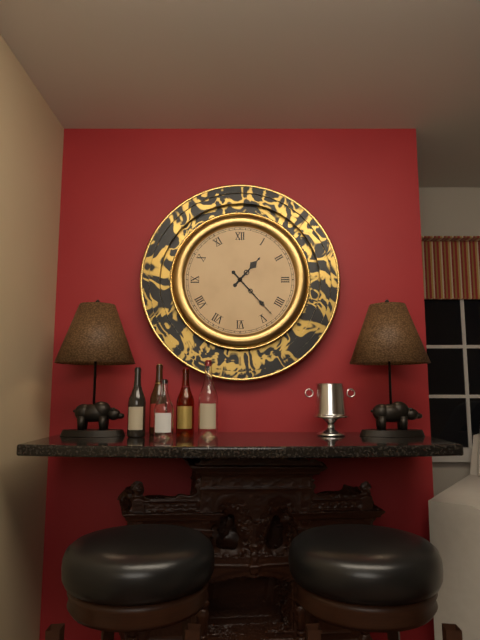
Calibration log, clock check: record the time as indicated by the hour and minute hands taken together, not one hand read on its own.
1:23
